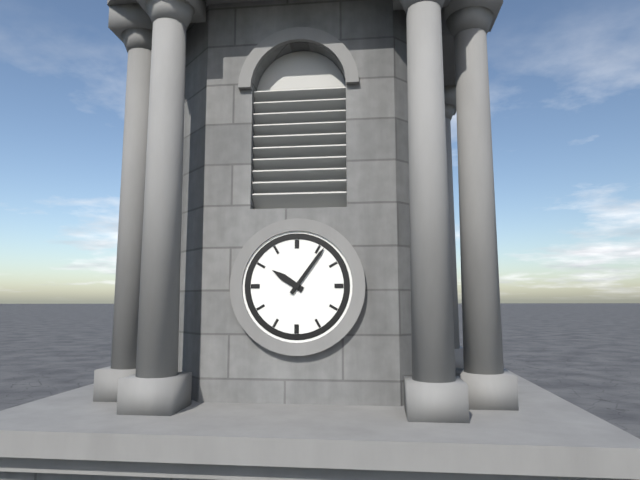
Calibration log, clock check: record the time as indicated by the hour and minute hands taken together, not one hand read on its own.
10:06
